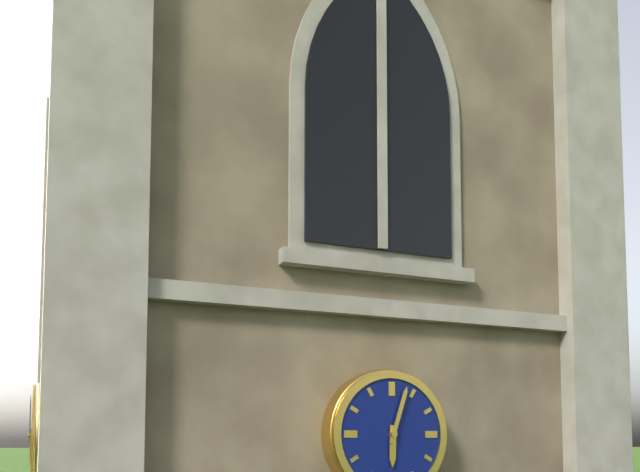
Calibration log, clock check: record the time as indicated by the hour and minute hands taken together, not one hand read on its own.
6:03
